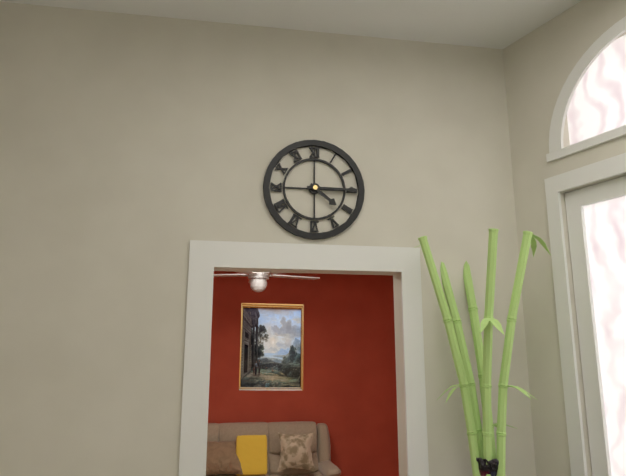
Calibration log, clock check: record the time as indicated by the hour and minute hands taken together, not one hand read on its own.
4:15
